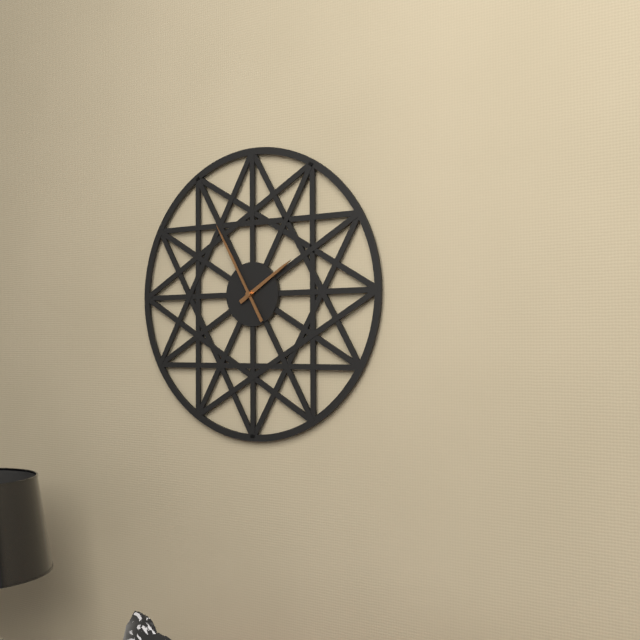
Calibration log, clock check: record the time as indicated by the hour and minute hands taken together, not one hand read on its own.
1:55
